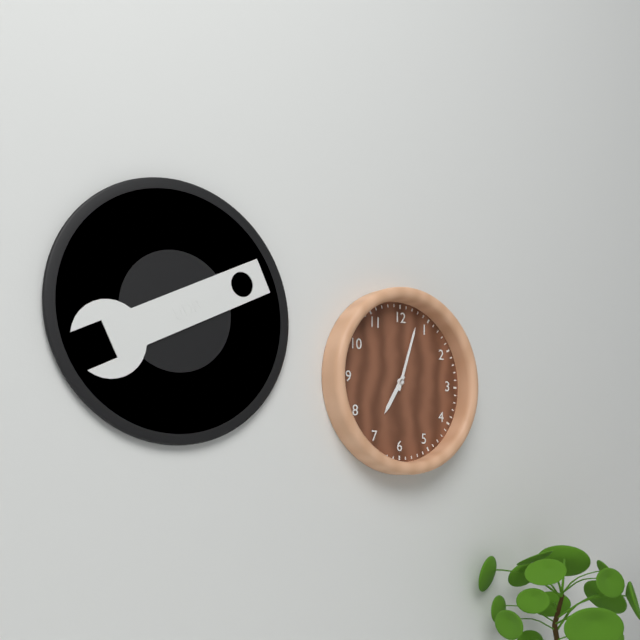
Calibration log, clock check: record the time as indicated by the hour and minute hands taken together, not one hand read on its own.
7:03
